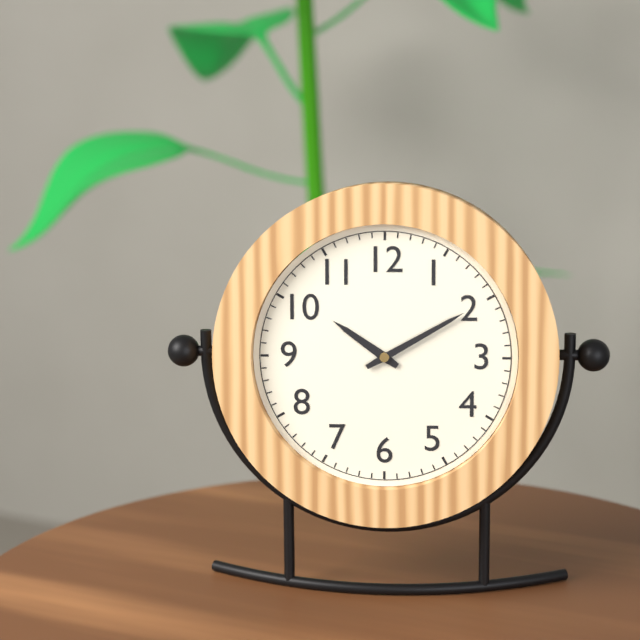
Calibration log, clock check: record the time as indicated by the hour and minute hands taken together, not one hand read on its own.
10:10
